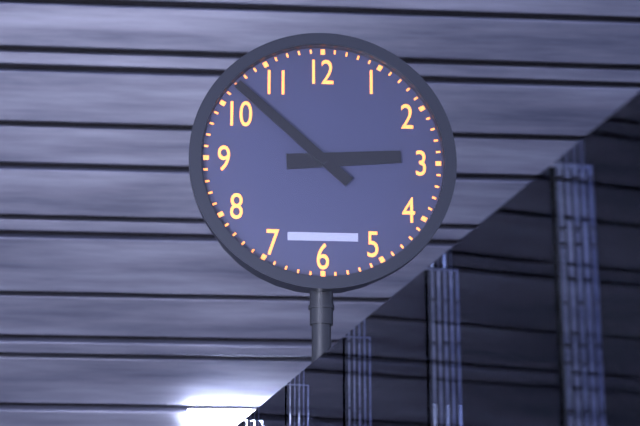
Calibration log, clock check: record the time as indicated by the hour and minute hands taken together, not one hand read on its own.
2:52
